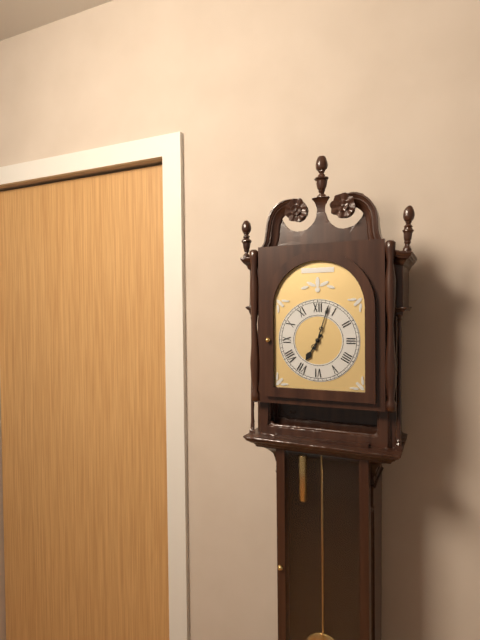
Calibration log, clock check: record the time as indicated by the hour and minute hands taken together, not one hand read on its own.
7:03
